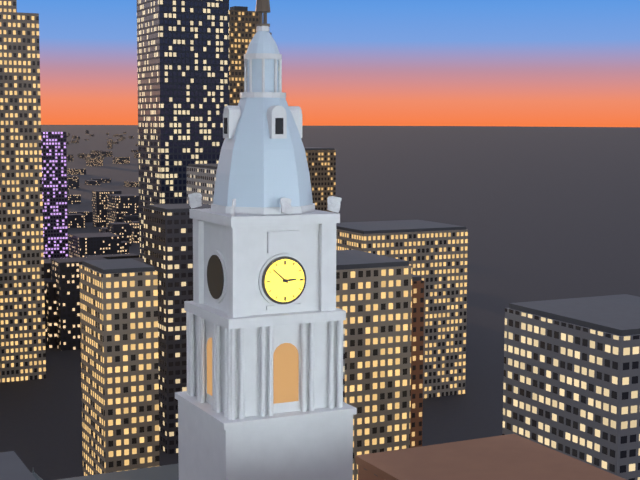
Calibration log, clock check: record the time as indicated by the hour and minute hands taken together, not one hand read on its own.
2:52
